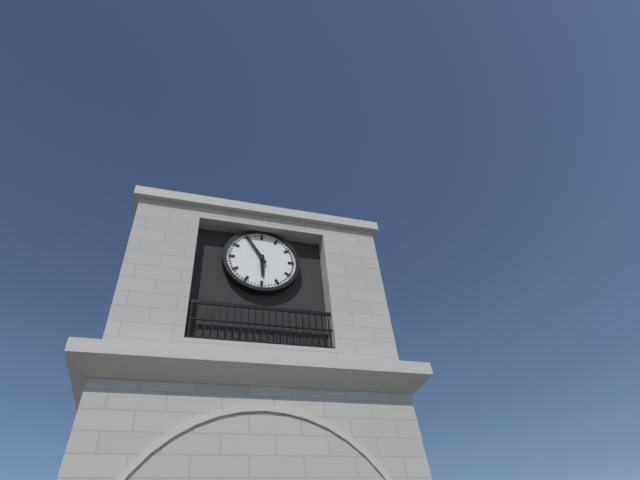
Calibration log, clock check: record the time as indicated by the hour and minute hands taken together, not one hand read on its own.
5:55
